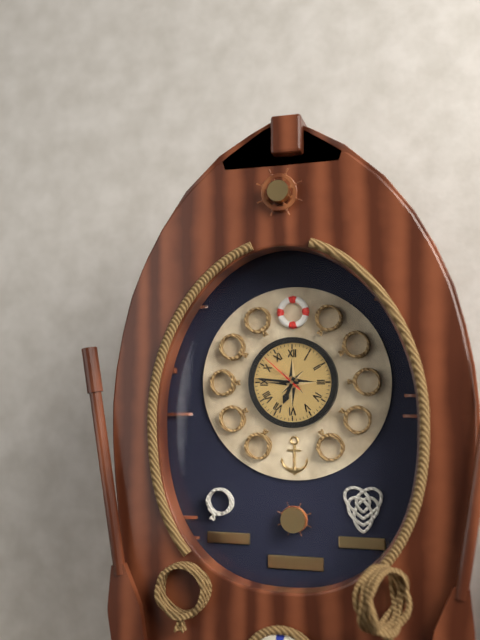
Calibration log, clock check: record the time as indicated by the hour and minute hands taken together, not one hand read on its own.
6:46
